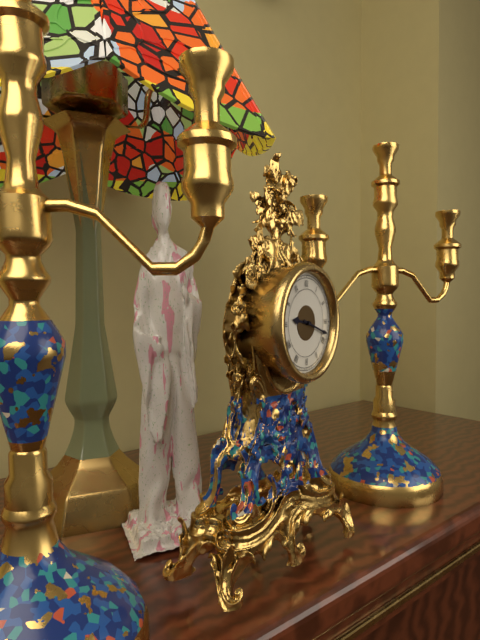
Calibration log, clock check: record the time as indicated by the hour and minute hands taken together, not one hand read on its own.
9:18
